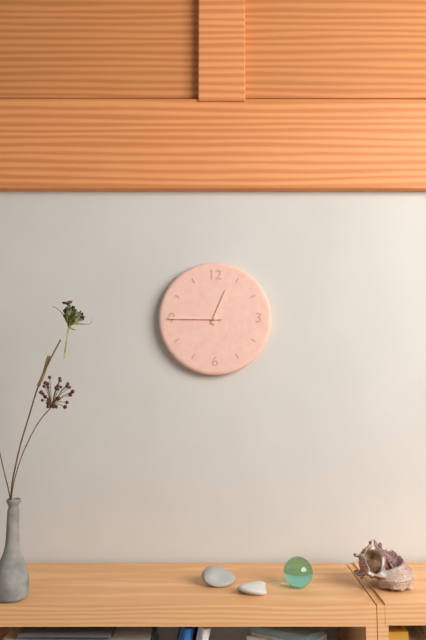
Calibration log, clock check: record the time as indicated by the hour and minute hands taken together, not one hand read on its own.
12:45
